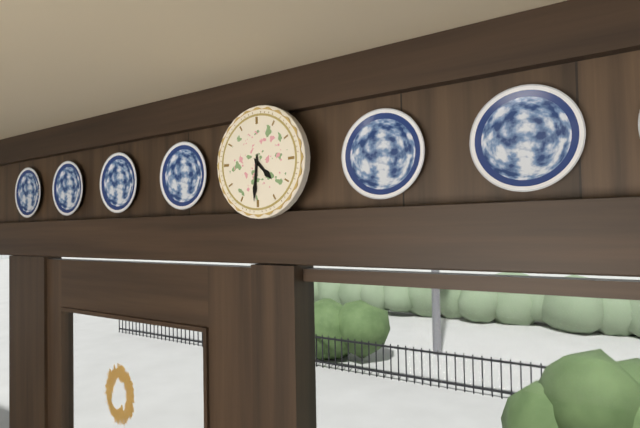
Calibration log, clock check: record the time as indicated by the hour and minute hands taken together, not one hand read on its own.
4:31
